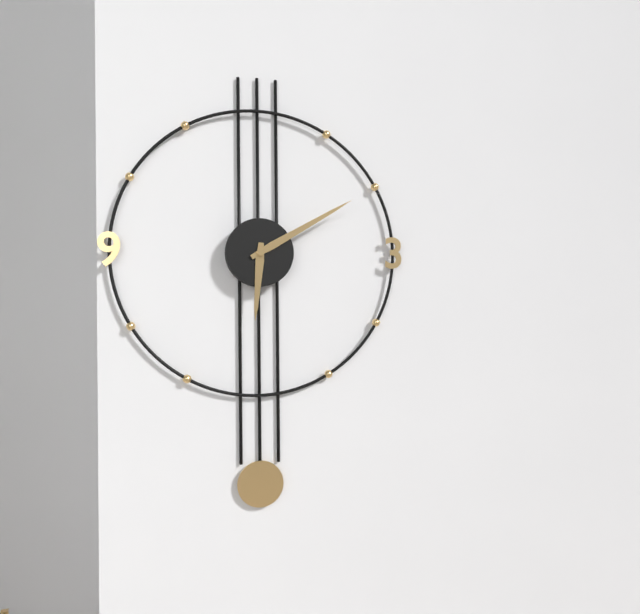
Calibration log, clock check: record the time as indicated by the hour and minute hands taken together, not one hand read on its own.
6:10
